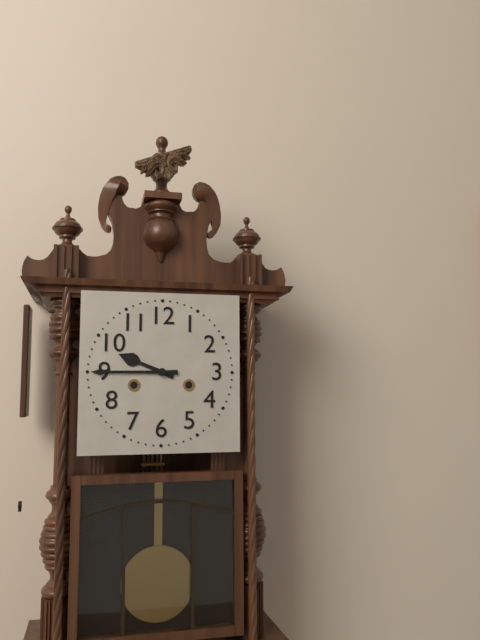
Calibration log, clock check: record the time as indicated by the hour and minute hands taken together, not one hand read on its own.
9:45
